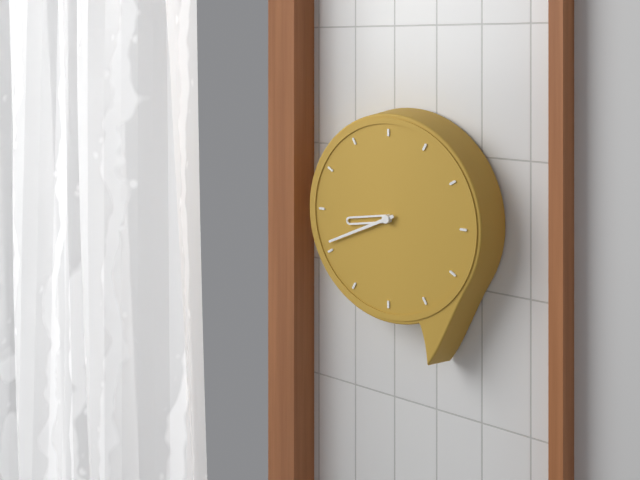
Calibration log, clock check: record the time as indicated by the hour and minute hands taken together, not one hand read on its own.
8:41
